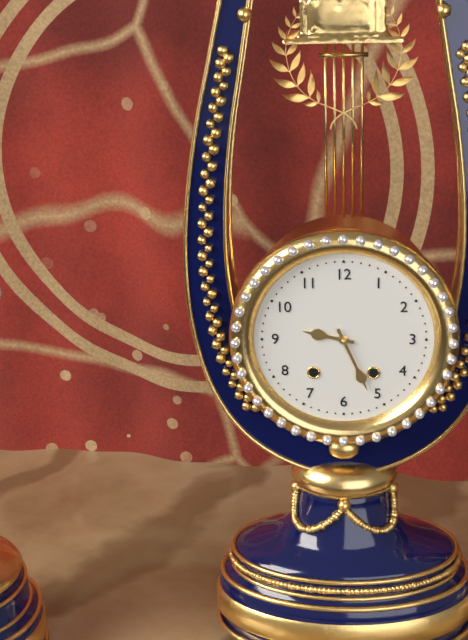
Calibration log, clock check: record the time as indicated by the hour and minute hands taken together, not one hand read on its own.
9:26
